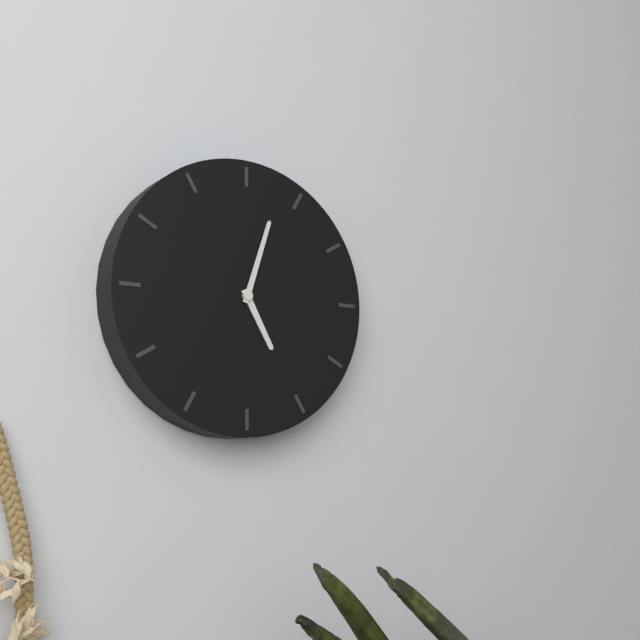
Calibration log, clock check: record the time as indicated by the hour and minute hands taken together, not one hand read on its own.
5:03
